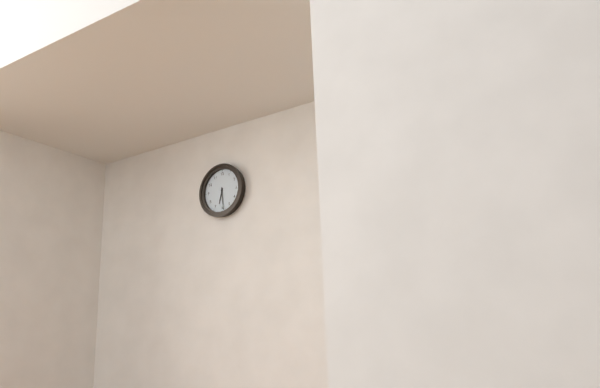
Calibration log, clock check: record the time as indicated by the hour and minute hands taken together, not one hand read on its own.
6:29
